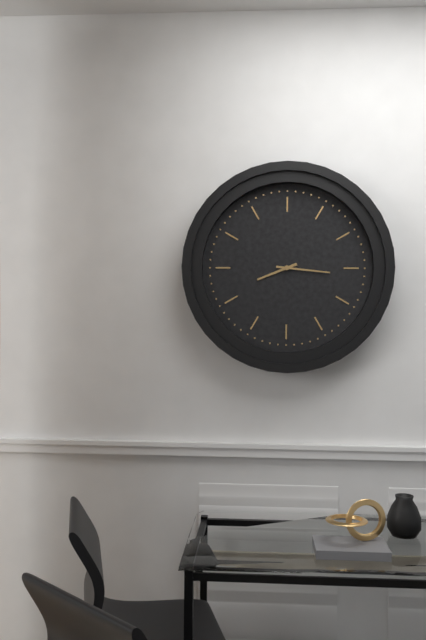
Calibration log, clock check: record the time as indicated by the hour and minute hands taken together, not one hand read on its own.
8:16
